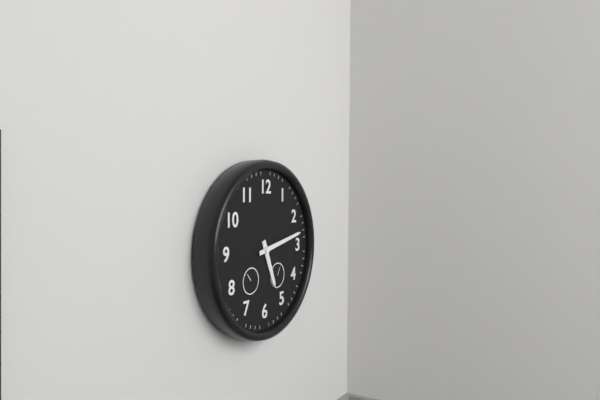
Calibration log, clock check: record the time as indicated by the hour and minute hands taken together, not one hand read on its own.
5:13
